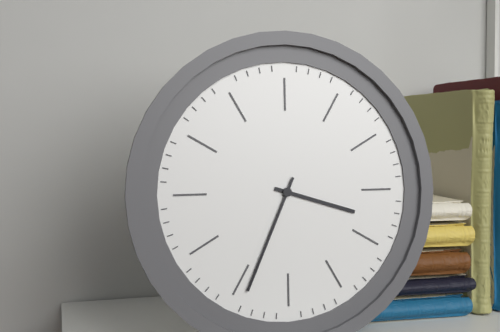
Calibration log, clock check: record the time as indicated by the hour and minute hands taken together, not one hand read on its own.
3:34
